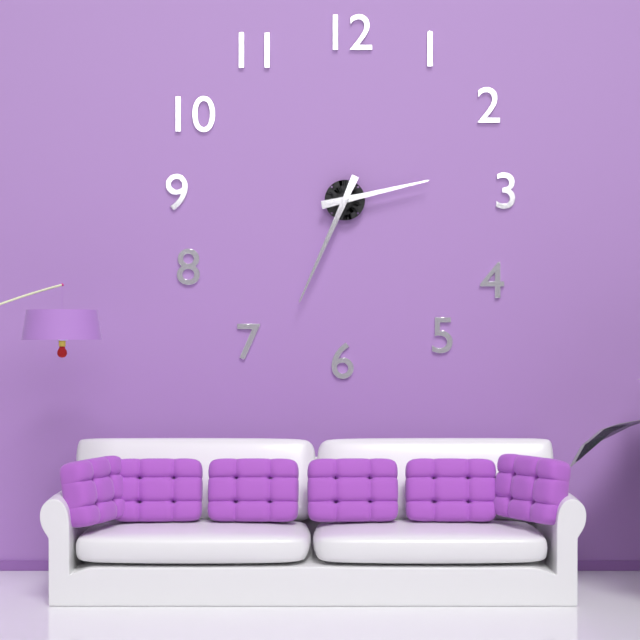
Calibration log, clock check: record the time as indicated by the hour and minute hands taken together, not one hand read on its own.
2:34
